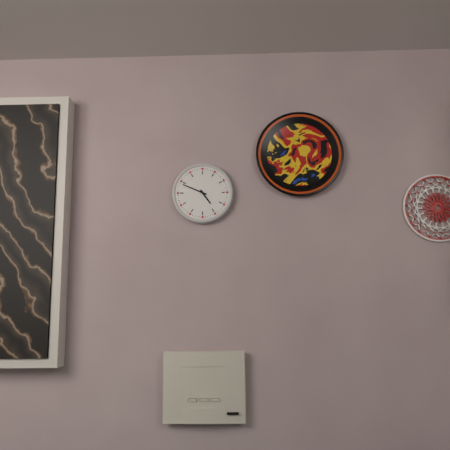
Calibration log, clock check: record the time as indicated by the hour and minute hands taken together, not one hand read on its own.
4:49
